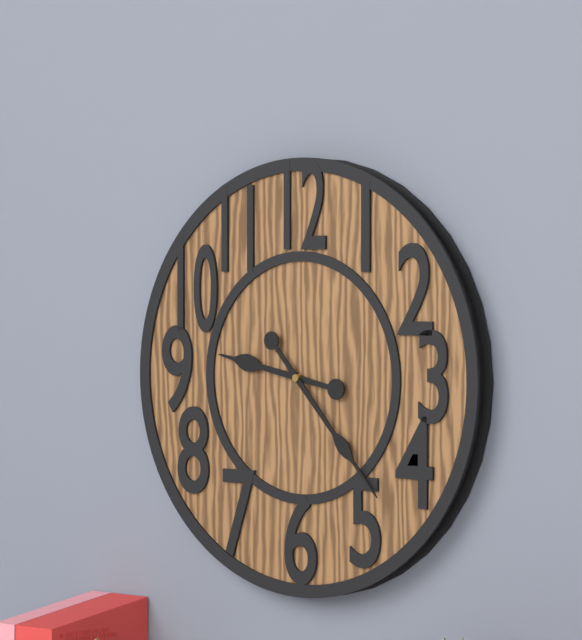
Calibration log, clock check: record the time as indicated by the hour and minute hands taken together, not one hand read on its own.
9:23
